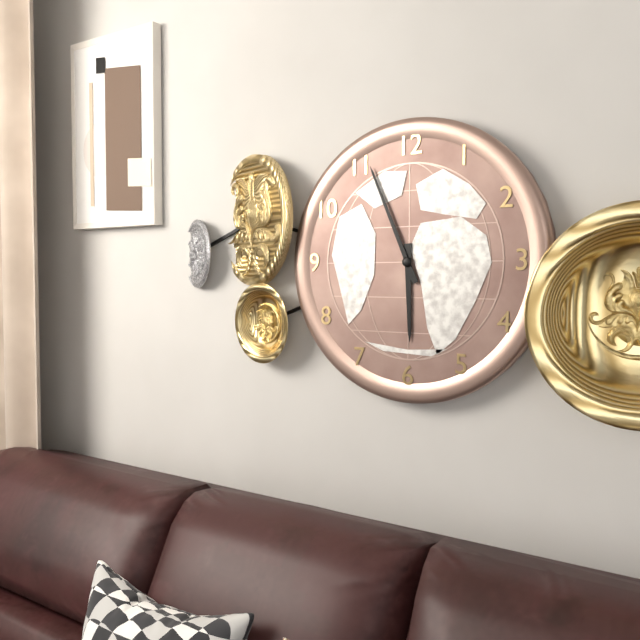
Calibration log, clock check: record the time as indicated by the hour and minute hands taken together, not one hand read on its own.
5:56
